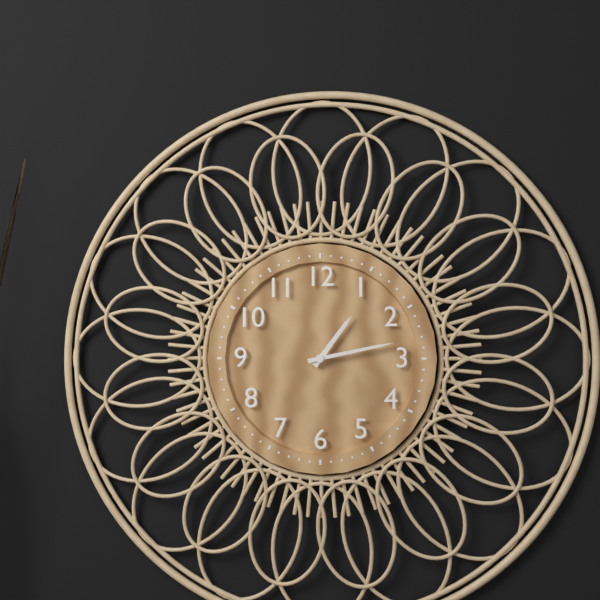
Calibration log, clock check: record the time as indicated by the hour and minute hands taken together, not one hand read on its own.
1:13
